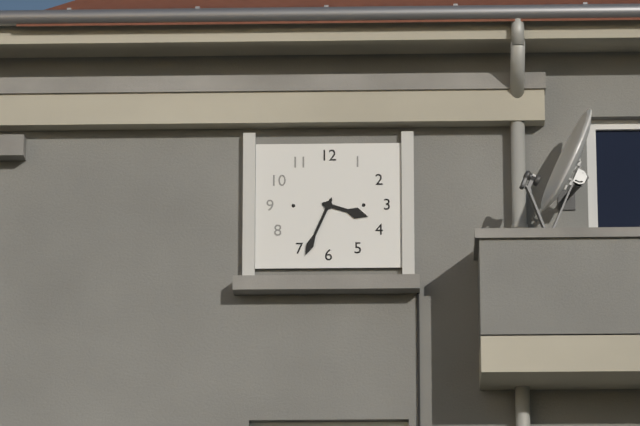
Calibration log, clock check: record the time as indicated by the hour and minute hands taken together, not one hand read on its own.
3:34
